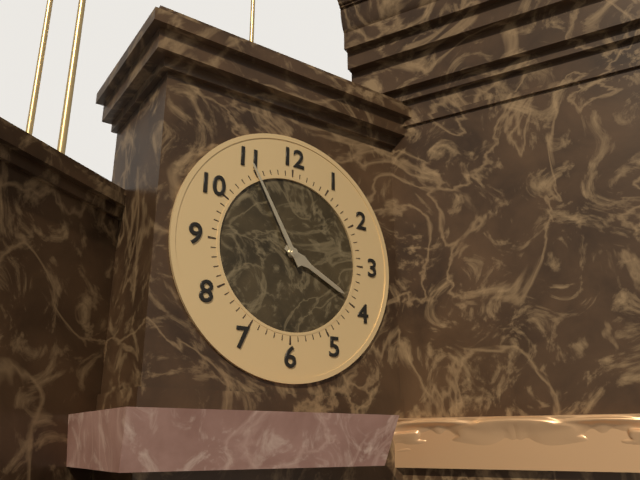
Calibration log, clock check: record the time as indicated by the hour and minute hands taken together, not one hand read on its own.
3:55
